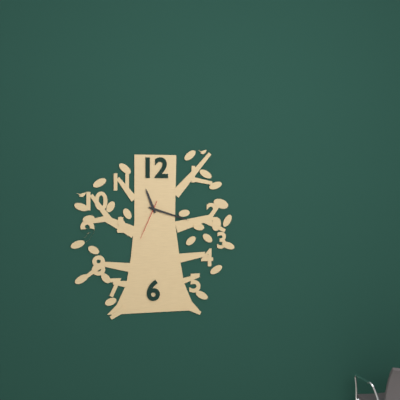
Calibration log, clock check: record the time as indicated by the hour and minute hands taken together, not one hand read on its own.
11:18
